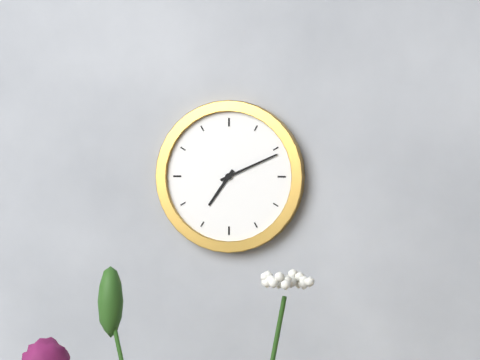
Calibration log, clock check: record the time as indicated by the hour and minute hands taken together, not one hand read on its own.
7:11
